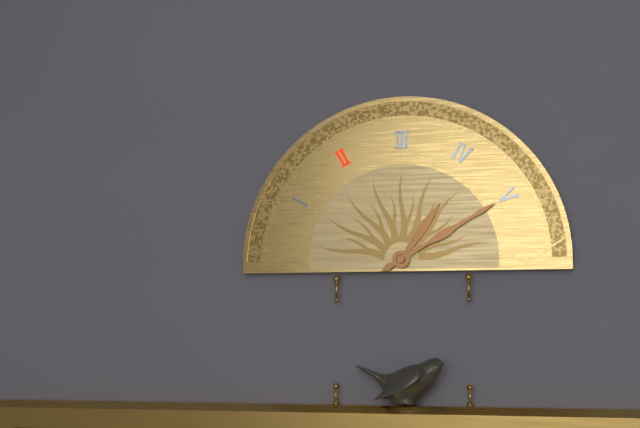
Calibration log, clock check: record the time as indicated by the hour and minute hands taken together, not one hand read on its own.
1:10
